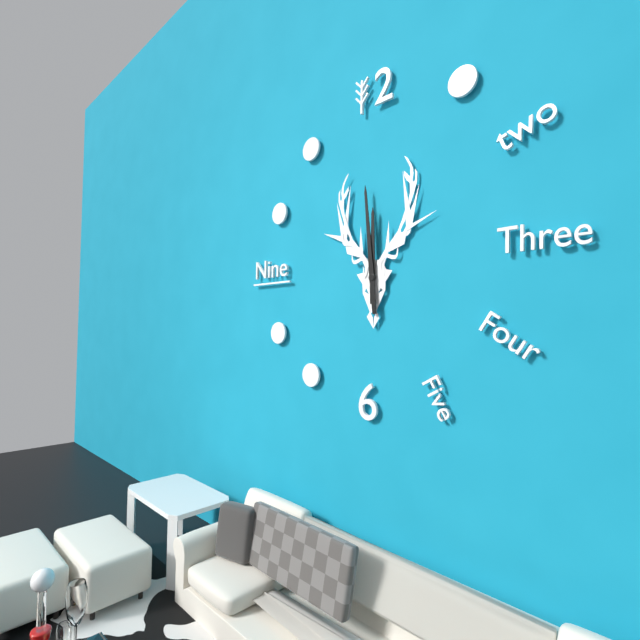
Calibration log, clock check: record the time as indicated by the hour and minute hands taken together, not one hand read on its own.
11:59
